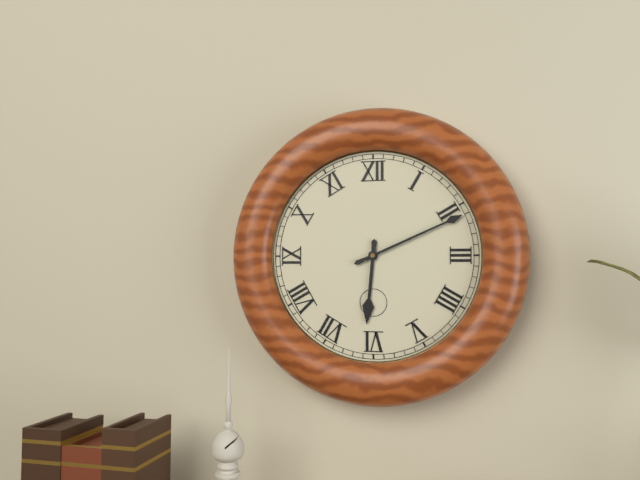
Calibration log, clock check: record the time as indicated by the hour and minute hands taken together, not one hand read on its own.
6:11
